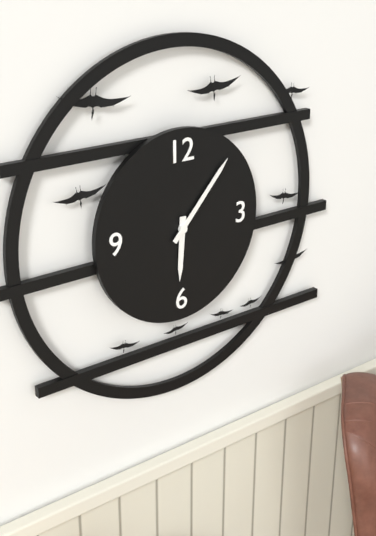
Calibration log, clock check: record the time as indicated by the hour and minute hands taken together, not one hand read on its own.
6:07
